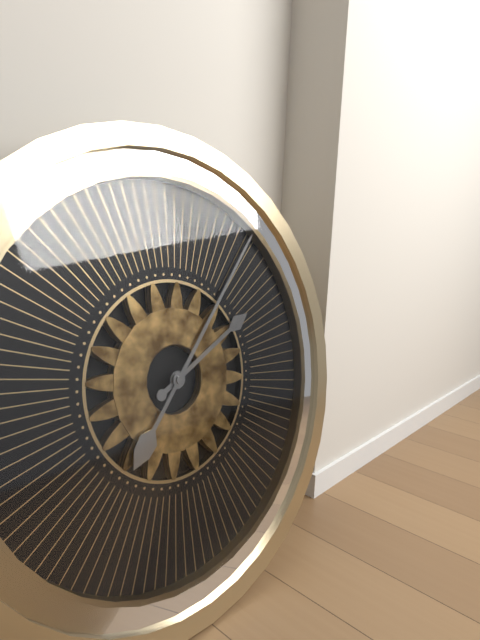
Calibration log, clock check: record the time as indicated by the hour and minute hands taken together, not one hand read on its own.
2:07
